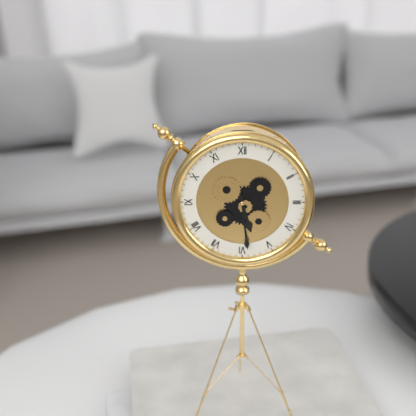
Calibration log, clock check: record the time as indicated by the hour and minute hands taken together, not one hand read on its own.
5:29
